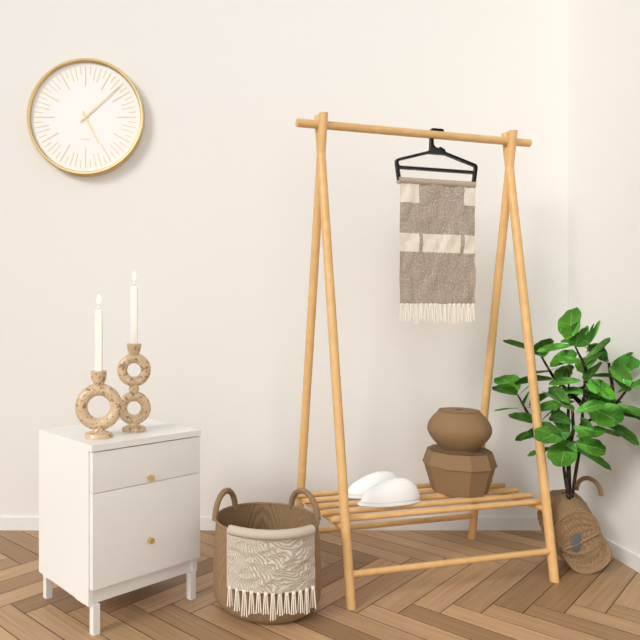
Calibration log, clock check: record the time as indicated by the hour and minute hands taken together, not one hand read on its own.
5:08
